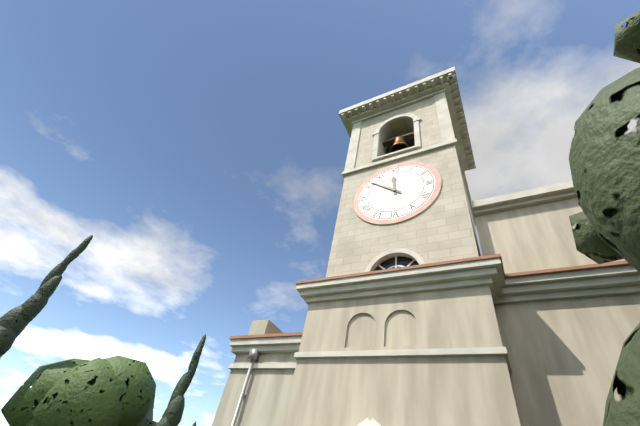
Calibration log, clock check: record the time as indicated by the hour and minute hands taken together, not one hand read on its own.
11:52
